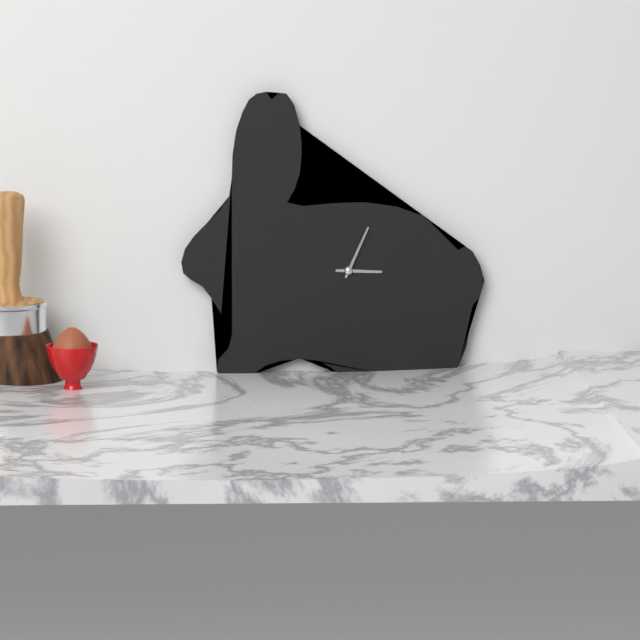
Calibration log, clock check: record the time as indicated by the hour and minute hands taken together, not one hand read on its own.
3:04
